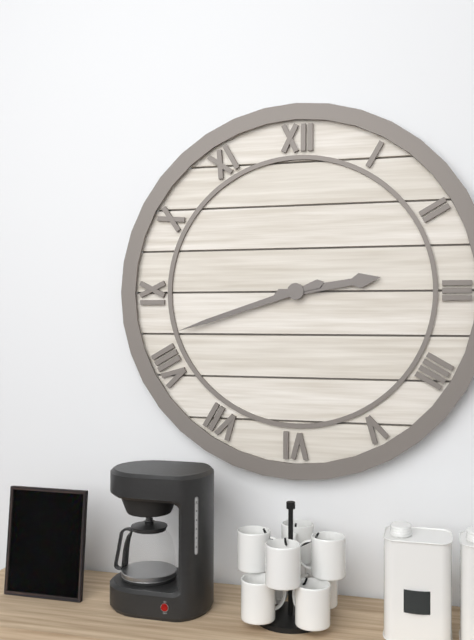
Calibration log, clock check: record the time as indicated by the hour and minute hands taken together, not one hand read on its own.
2:42
